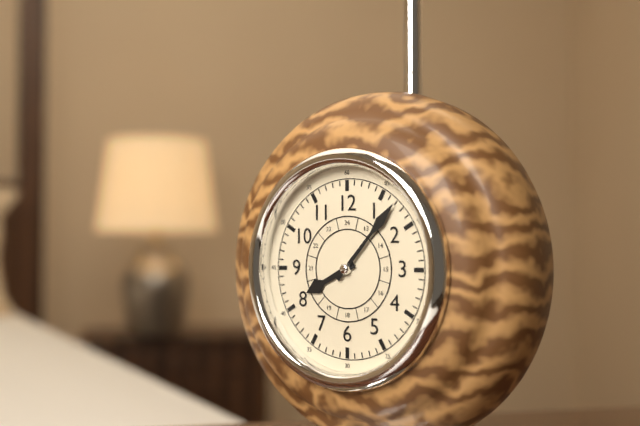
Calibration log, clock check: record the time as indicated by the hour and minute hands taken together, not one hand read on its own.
8:07
